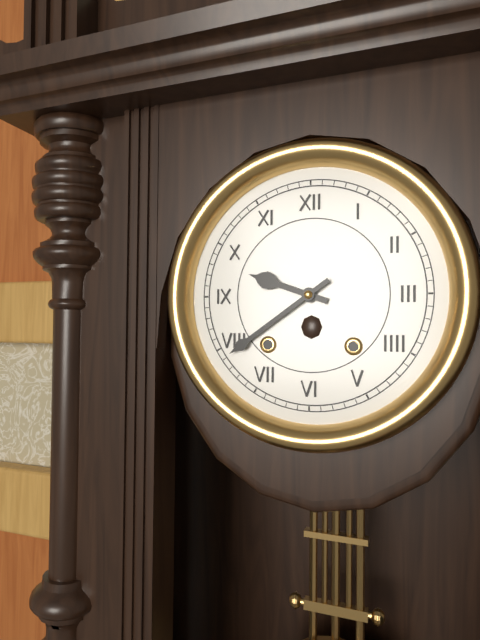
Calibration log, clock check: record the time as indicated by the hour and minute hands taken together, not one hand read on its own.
9:39
